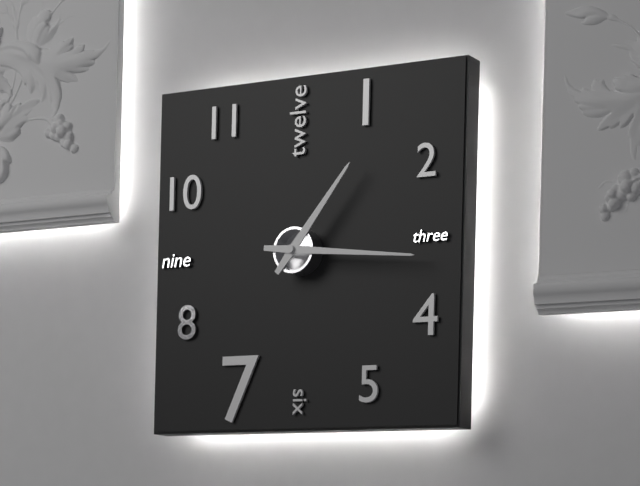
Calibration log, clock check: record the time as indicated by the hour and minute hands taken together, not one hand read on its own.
1:16
